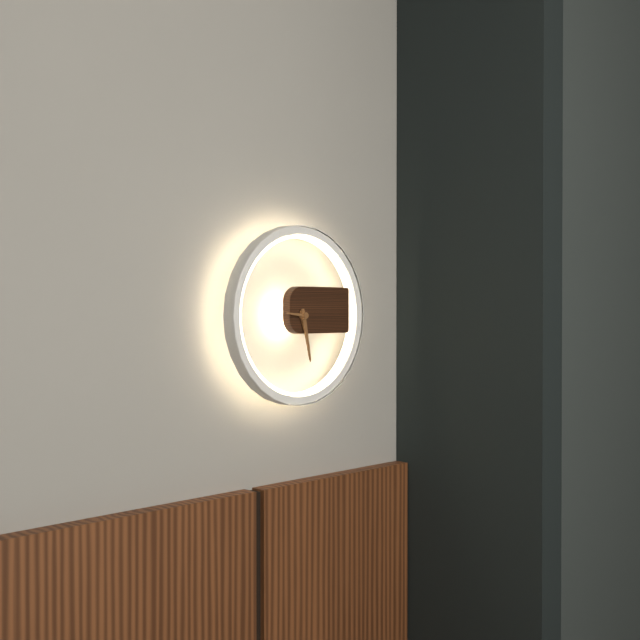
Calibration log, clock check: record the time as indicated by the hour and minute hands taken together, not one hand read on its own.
5:28
